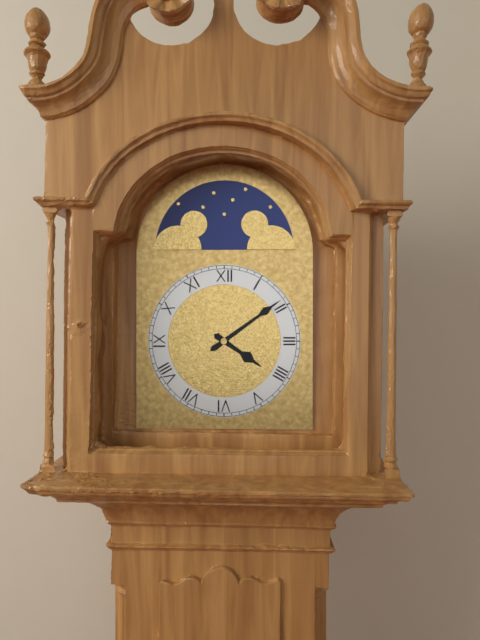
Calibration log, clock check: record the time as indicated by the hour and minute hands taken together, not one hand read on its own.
4:09
